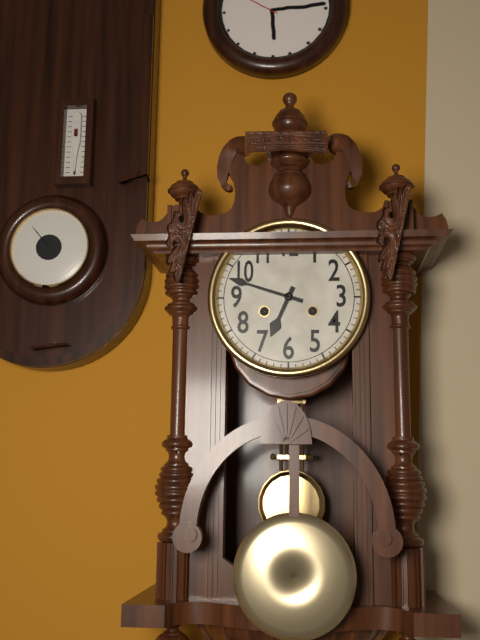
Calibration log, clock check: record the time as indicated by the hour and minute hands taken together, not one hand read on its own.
6:48
